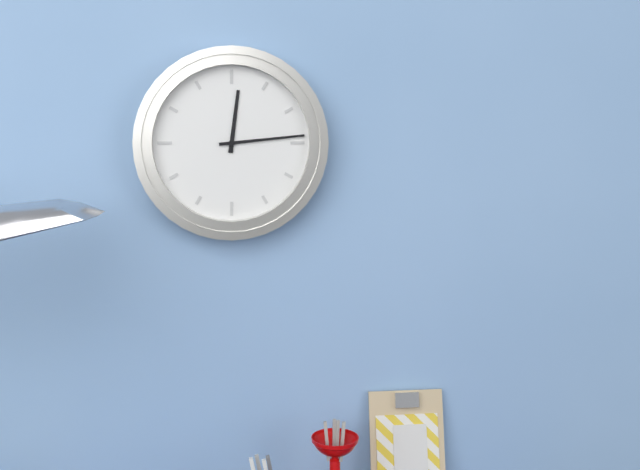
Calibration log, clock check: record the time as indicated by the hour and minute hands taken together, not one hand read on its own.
12:14
